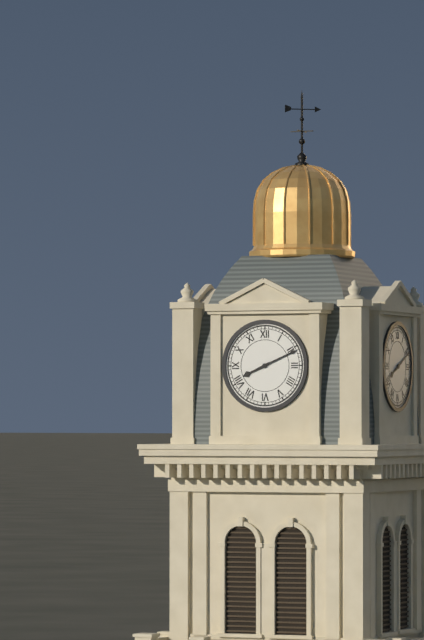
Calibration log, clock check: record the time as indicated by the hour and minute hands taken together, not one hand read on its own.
8:11
